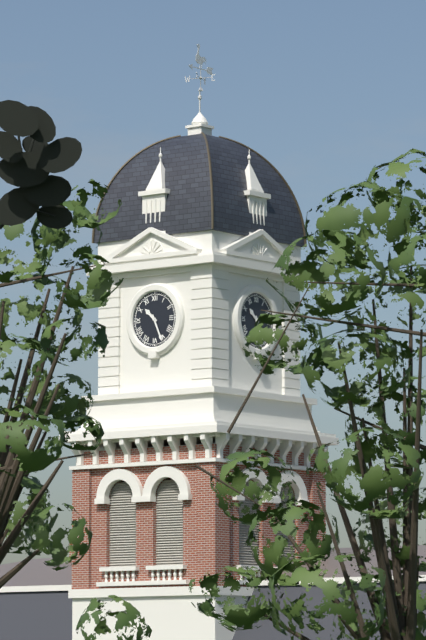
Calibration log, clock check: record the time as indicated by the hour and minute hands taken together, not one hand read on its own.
10:26
